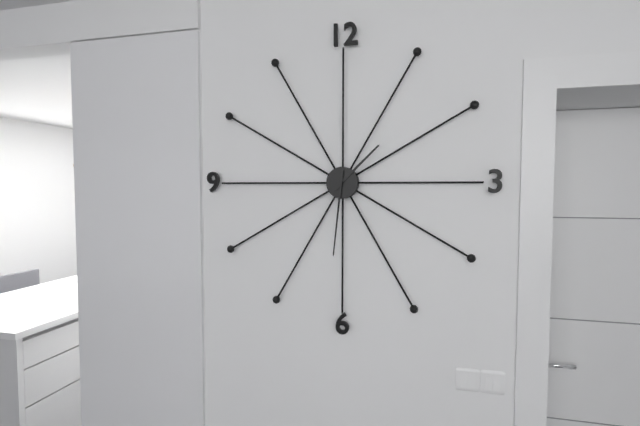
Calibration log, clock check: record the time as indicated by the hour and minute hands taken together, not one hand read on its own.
1:31
